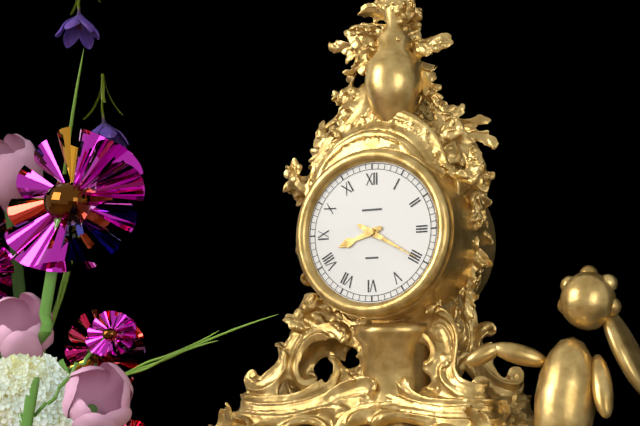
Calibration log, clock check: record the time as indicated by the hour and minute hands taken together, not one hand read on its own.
8:20
